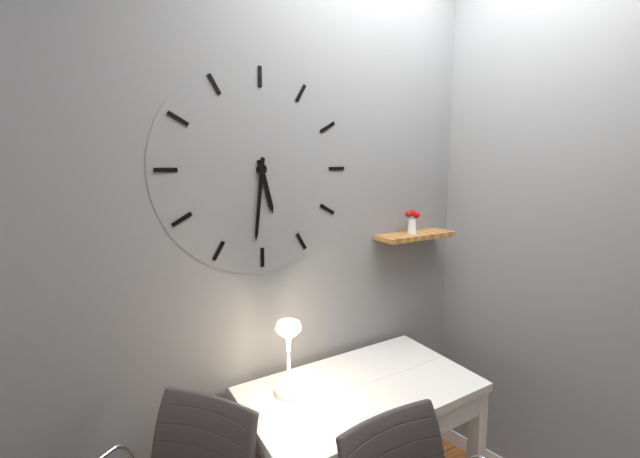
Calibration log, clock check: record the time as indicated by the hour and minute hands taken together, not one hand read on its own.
5:31
